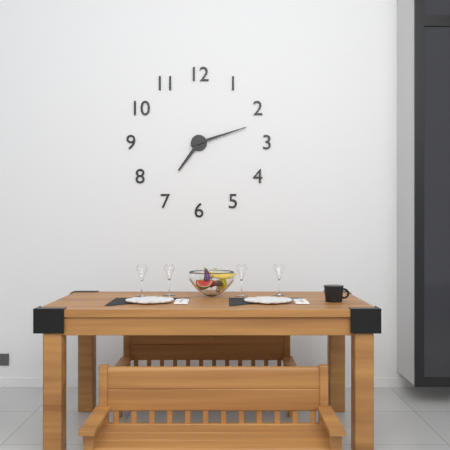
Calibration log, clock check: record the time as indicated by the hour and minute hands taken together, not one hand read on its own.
7:12
